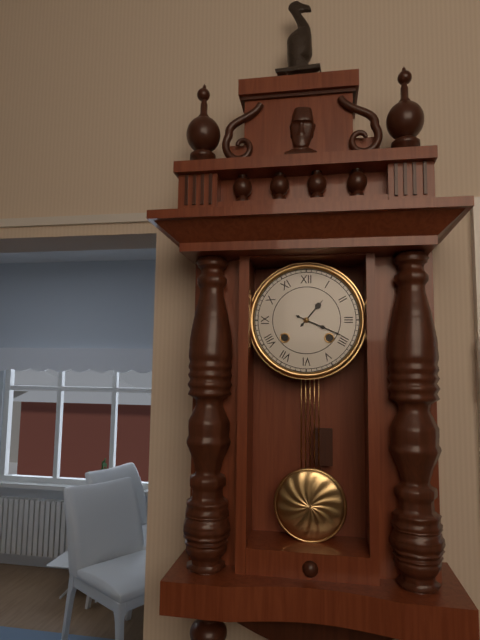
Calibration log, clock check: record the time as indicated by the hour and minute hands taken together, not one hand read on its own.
1:19
